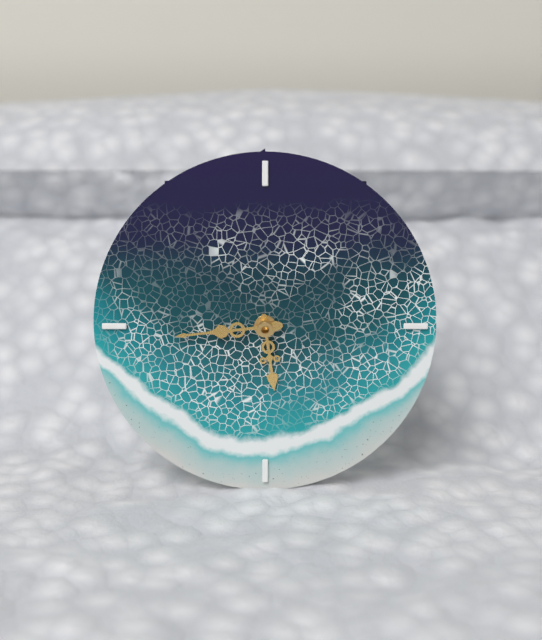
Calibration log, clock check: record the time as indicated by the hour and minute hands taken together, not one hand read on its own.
5:44
